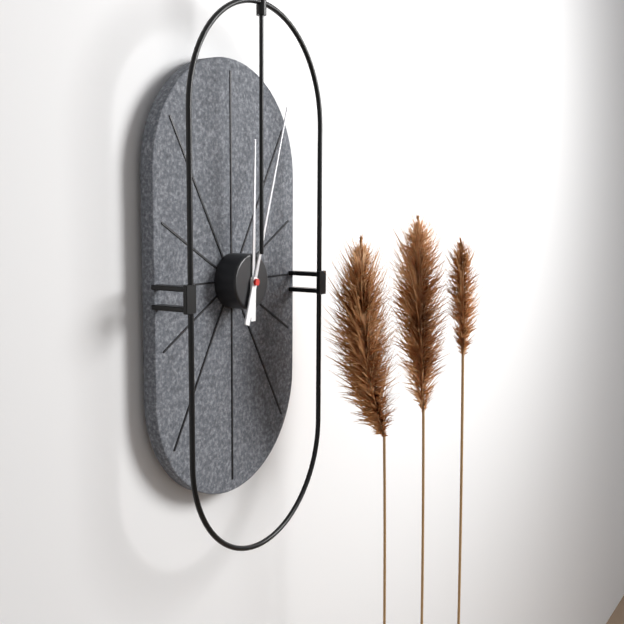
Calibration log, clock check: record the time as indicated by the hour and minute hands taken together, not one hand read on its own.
12:03
